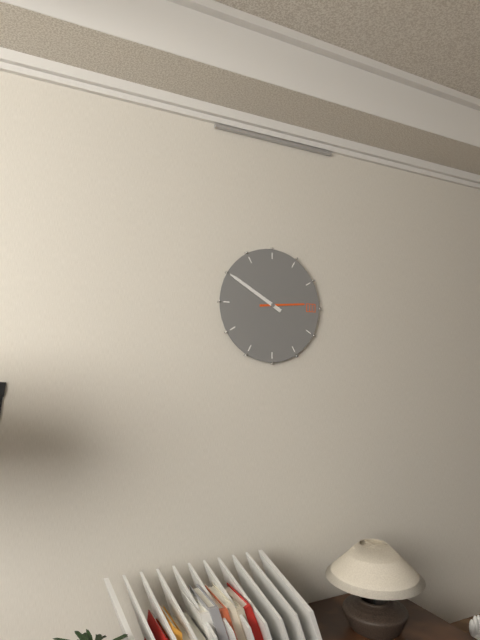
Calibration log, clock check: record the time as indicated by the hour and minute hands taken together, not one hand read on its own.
2:50
